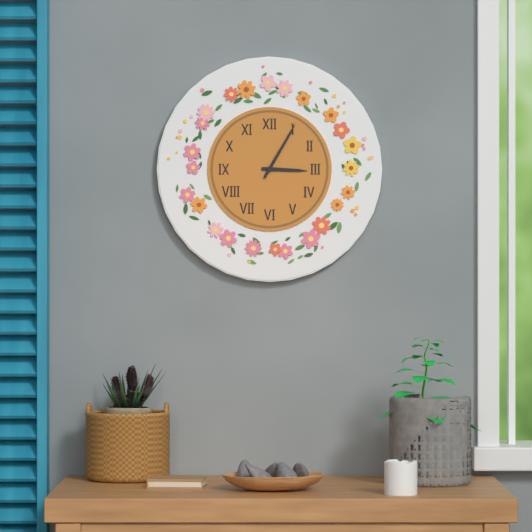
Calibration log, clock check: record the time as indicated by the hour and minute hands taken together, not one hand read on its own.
3:05
